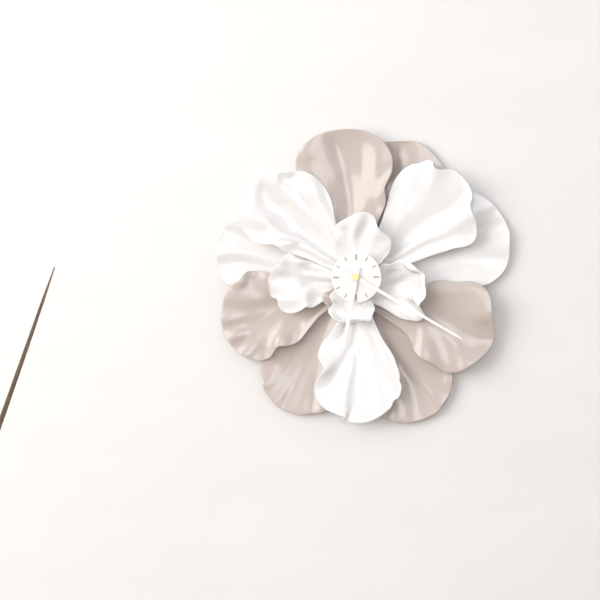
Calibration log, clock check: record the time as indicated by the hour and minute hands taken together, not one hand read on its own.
6:20
